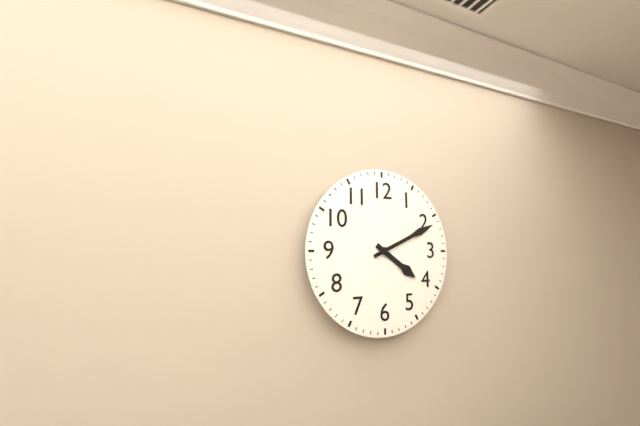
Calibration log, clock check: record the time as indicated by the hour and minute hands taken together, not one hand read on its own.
4:11
